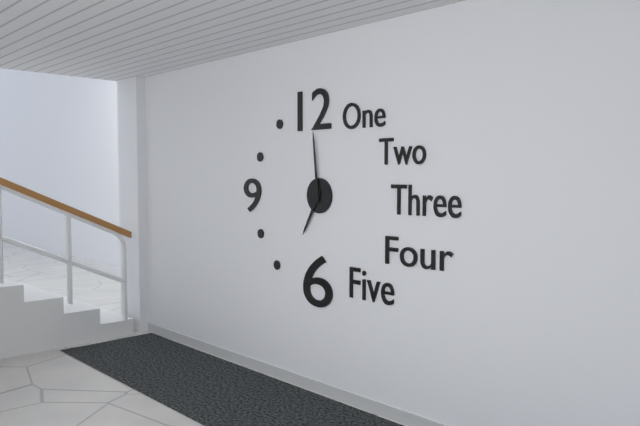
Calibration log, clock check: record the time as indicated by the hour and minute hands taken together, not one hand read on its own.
6:59
